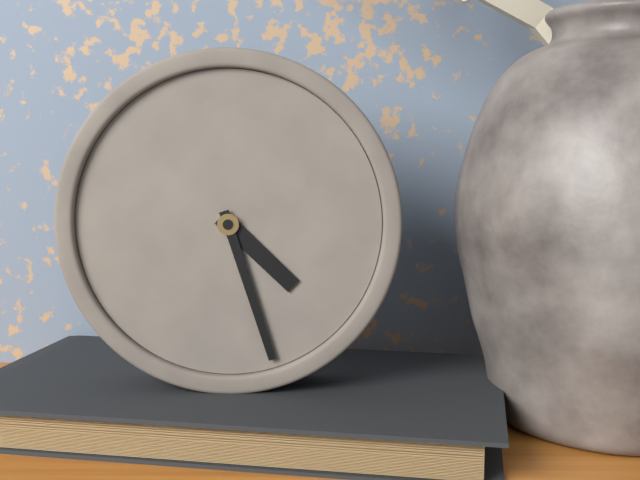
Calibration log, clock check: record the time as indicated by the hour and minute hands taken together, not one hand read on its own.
4:27
